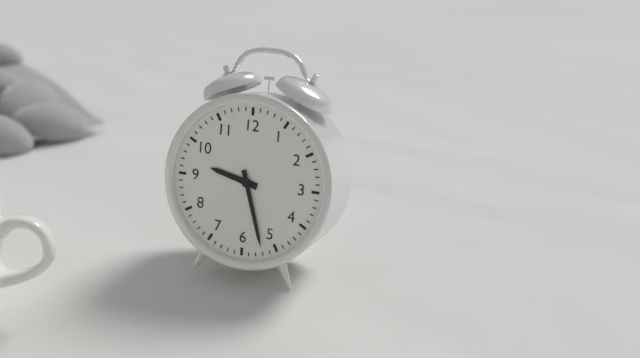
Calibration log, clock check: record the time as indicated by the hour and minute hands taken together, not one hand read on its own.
9:27
